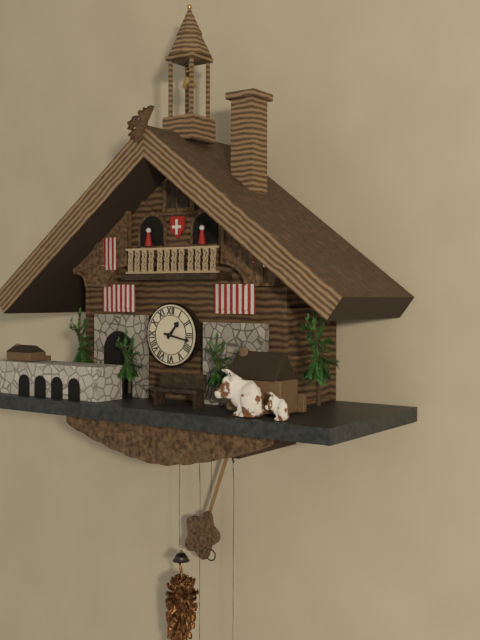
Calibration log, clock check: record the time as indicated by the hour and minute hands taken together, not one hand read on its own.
1:17
